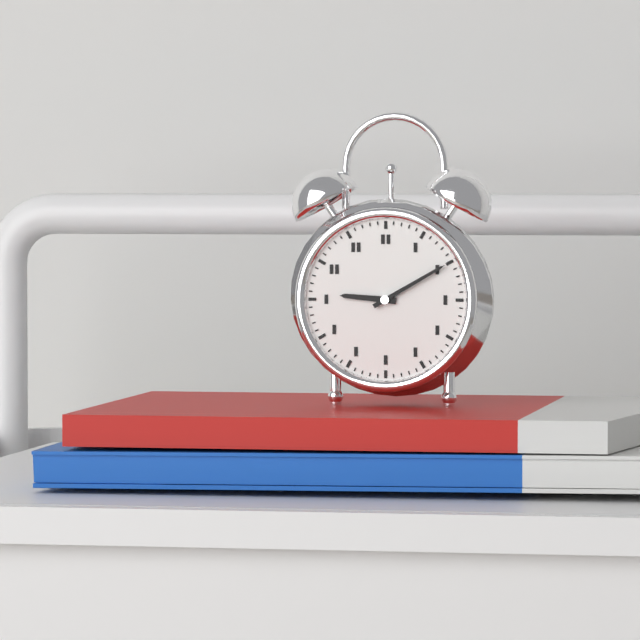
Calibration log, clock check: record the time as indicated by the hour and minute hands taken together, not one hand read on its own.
9:10
